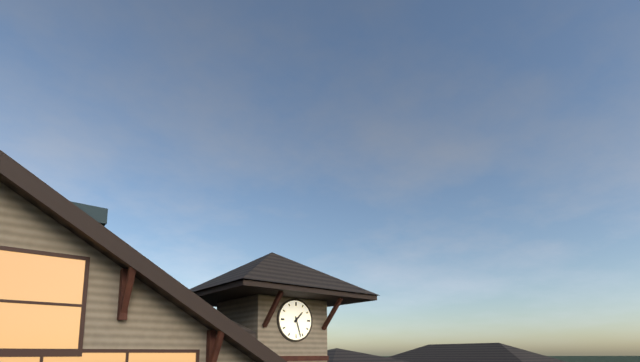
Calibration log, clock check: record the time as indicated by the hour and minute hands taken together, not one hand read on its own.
1:27
